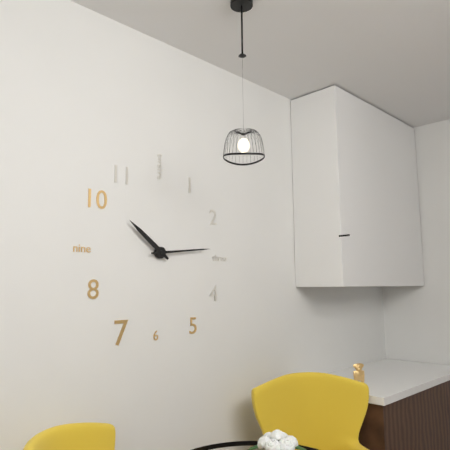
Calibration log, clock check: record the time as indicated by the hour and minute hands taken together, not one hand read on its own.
10:14
